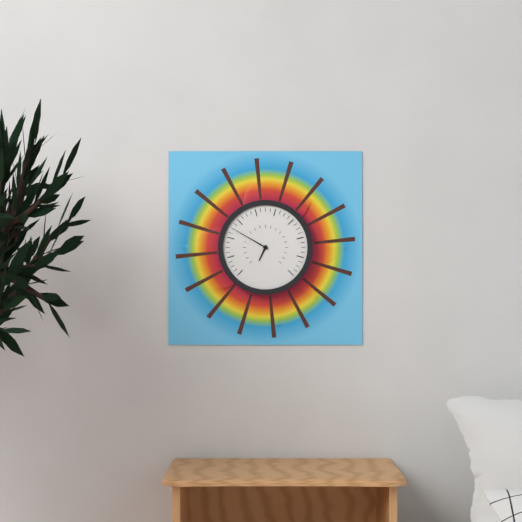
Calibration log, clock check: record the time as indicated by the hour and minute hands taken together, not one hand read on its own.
6:50
